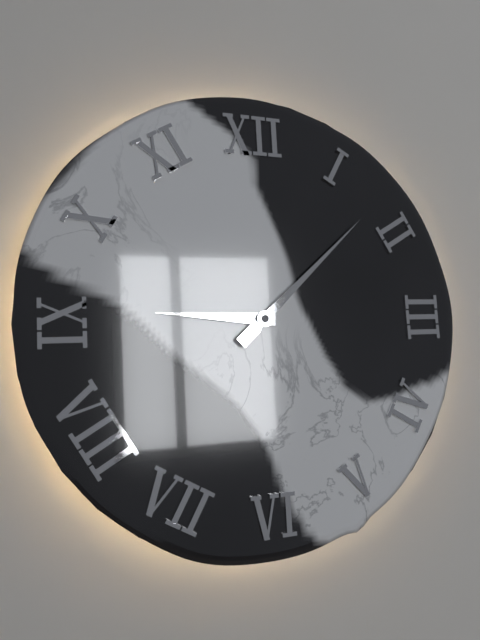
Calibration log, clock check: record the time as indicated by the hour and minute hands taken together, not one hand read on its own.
9:08
